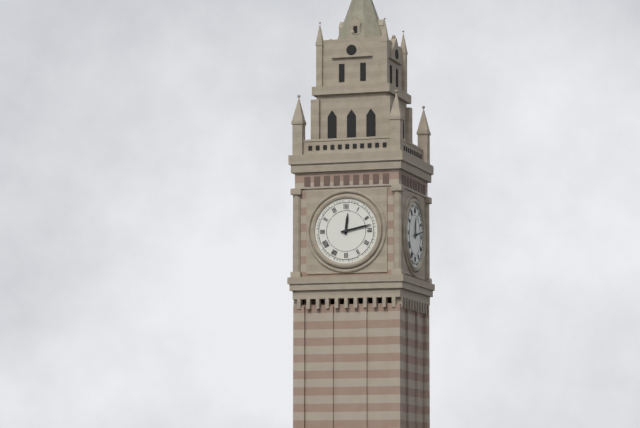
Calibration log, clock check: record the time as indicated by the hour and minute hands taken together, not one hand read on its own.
12:13
